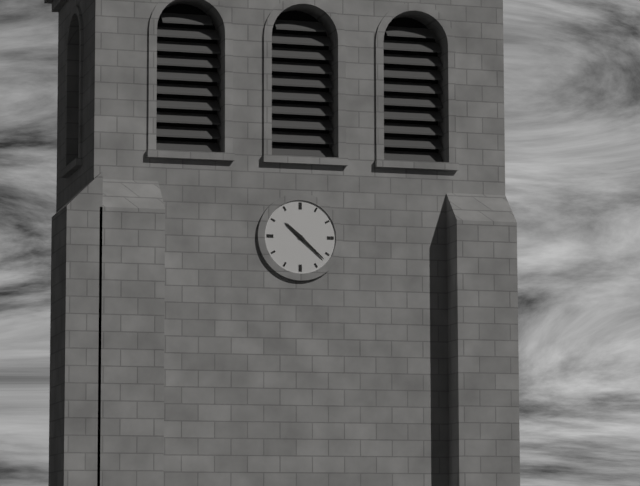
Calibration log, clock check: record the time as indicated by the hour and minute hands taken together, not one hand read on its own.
10:22
